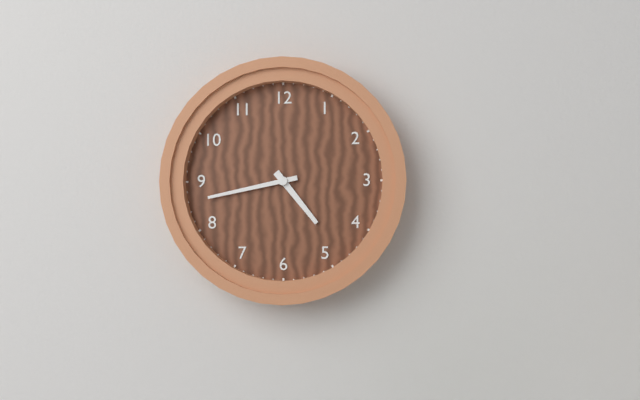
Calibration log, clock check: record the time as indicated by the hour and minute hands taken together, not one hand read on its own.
4:43
